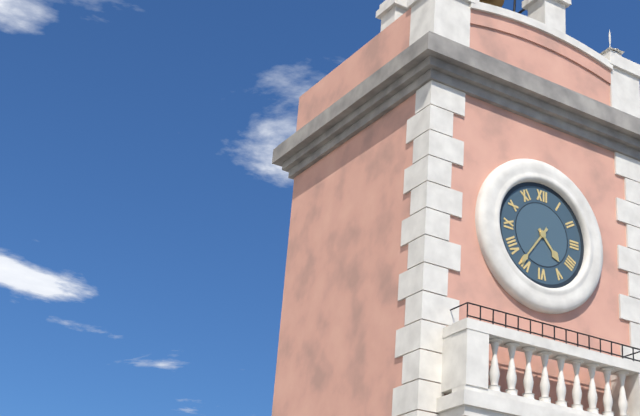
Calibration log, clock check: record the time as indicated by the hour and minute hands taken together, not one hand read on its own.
4:36
